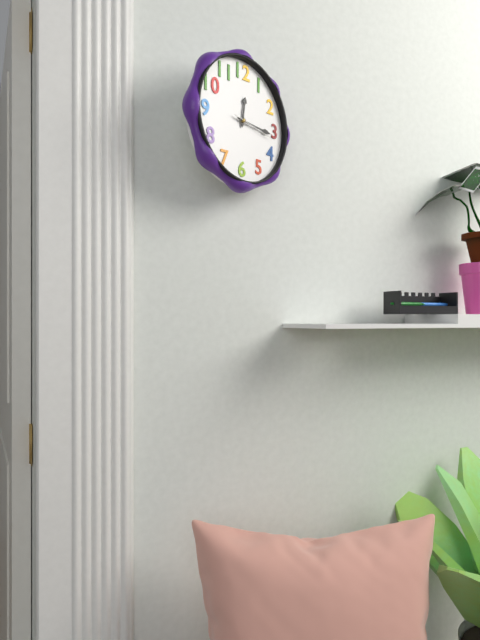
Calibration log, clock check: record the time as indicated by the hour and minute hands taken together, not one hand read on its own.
12:16
